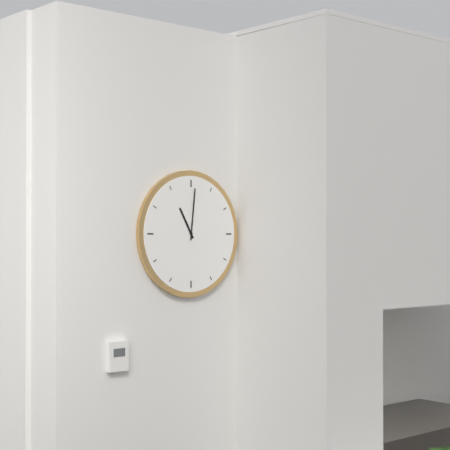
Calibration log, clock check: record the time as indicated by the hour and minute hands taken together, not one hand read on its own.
11:01
